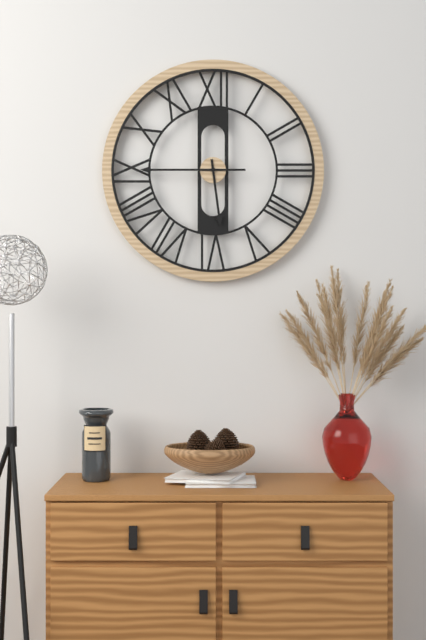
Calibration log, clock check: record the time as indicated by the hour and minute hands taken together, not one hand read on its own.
5:45
